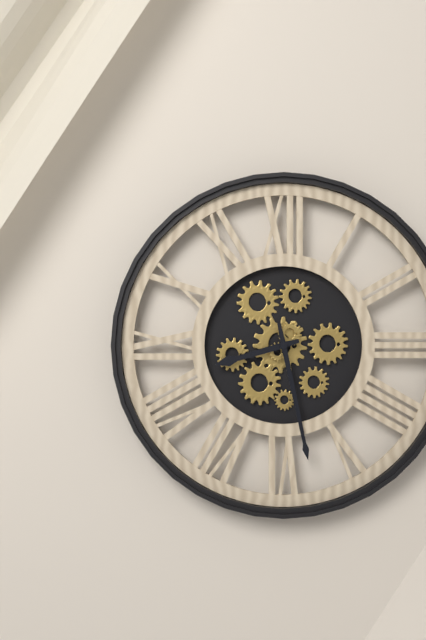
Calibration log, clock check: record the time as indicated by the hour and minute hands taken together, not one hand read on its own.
8:28
